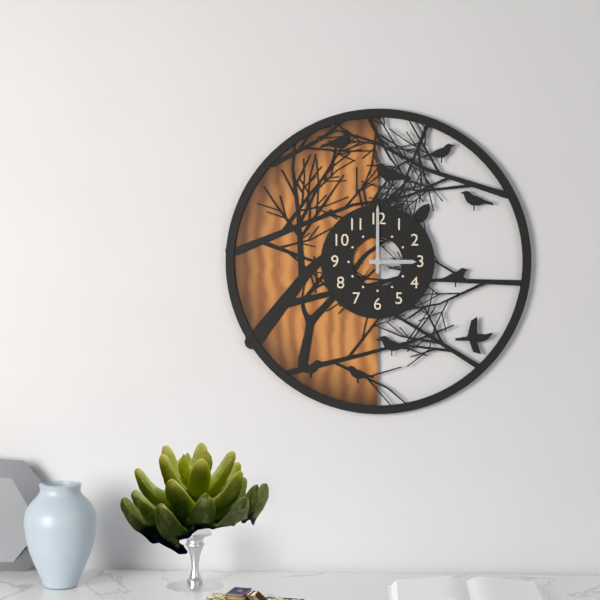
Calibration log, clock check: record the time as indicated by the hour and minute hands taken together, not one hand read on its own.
3:00
